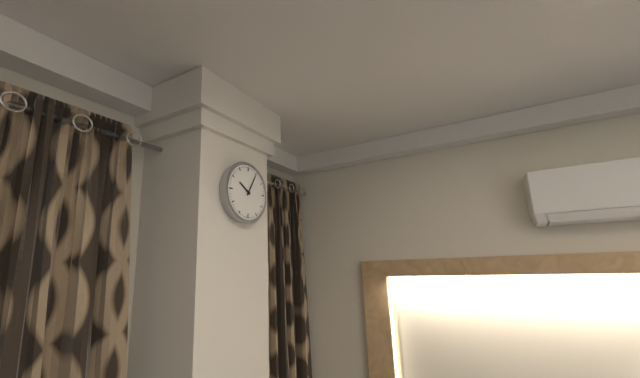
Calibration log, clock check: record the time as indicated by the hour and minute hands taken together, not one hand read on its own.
10:05
